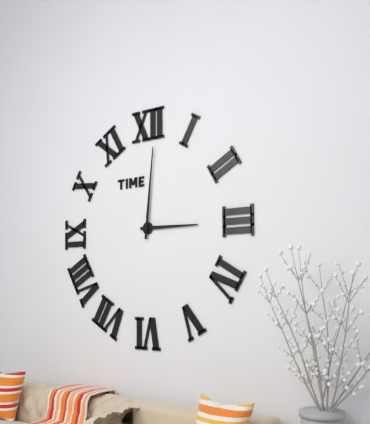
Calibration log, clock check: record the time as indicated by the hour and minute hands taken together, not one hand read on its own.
3:01
